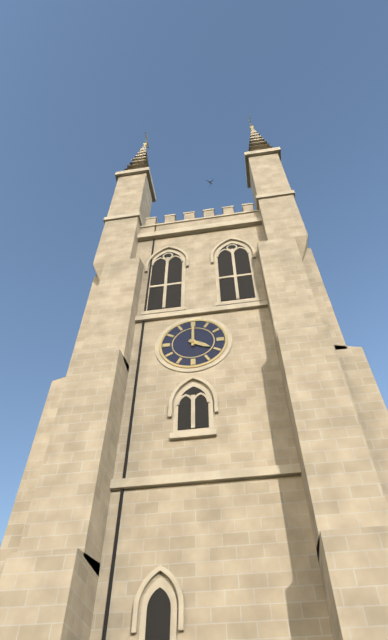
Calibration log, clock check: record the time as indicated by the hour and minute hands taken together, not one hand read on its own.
4:00
